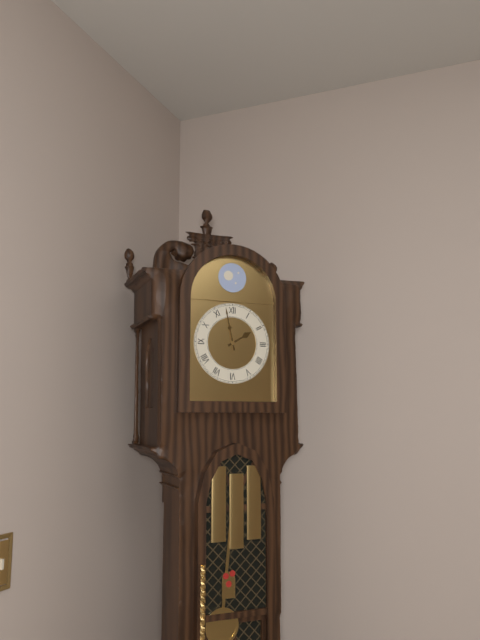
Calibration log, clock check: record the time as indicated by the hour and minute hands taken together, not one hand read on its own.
1:58
